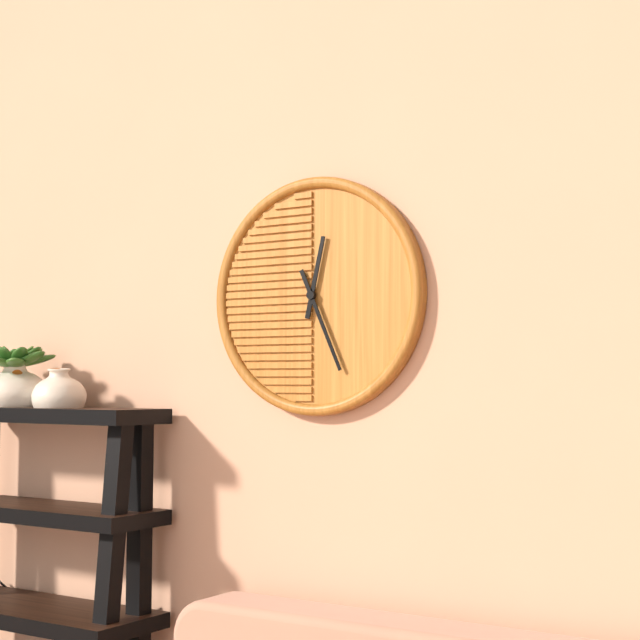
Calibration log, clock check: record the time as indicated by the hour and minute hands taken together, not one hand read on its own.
12:26
